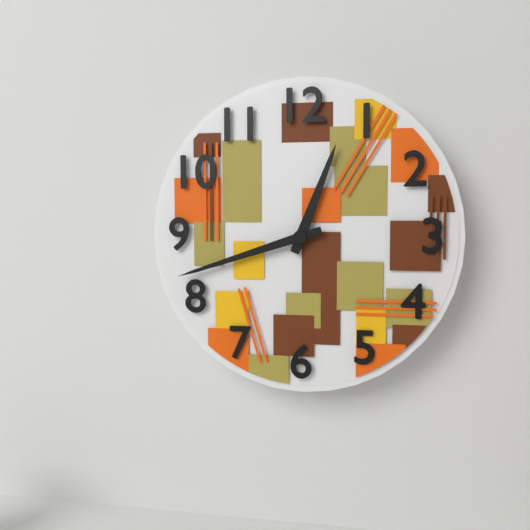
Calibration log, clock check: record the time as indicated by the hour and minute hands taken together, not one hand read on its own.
12:42
